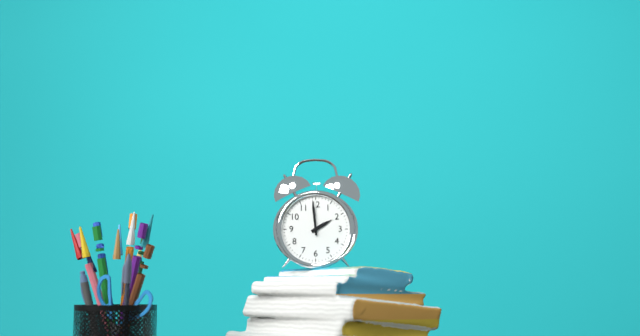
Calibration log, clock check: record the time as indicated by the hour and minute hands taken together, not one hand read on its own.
1:59
